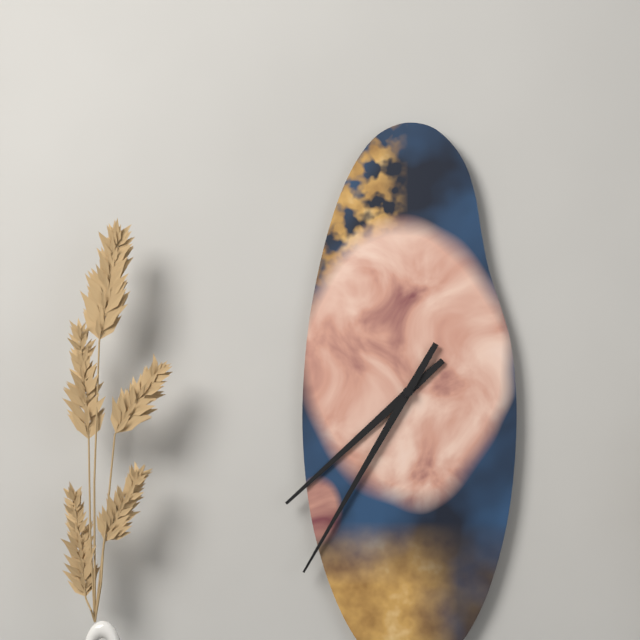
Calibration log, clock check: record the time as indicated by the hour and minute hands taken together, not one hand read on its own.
7:35
